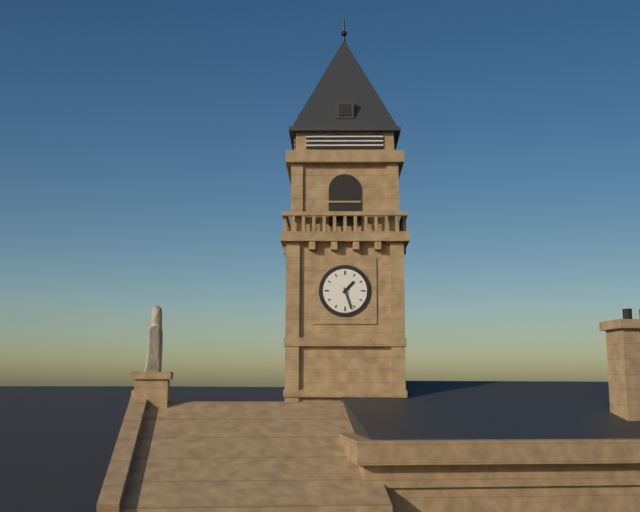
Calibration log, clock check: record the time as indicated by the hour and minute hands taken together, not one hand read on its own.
1:27
